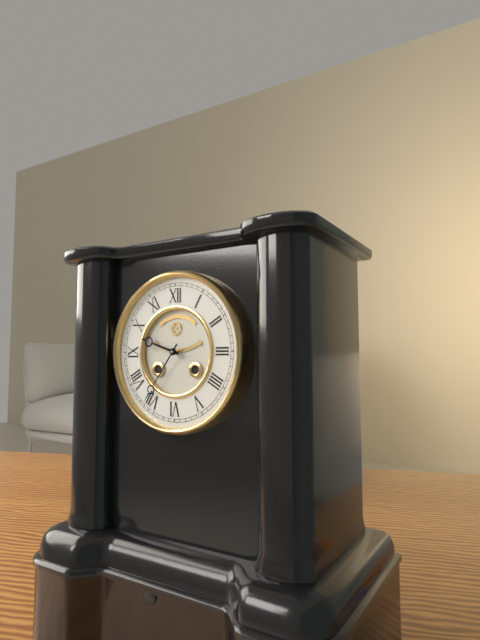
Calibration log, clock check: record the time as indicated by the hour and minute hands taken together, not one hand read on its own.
9:36
